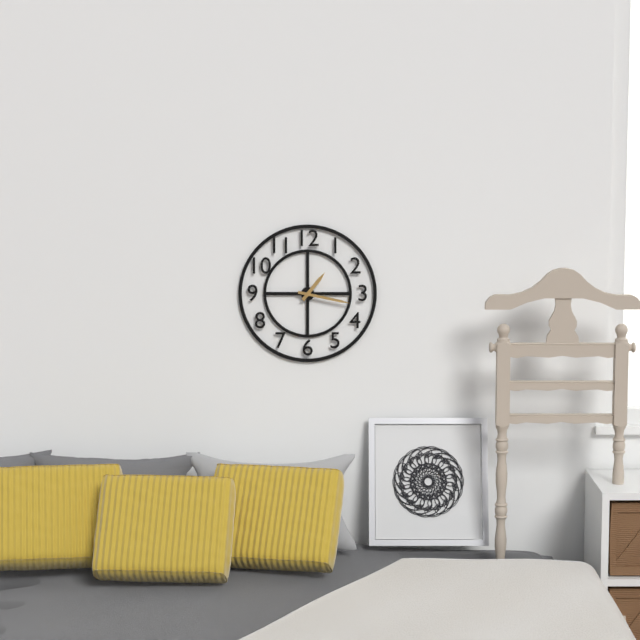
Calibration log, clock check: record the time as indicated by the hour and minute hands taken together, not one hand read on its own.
1:17
